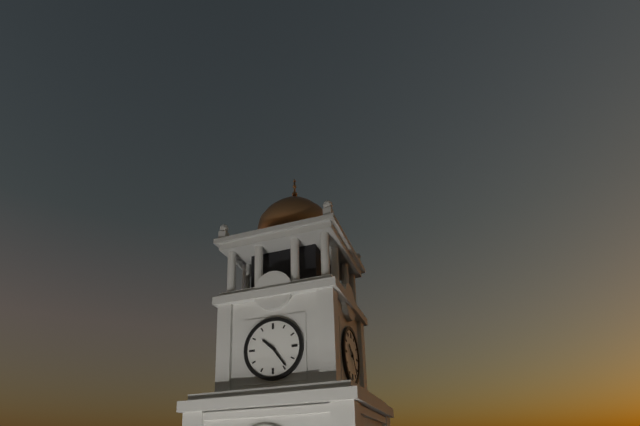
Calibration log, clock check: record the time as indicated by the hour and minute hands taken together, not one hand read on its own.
10:24
